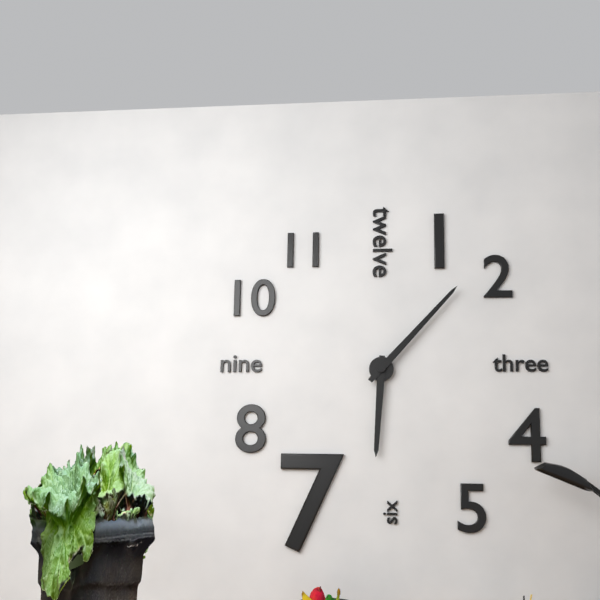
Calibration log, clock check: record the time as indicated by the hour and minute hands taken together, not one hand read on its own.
6:07
